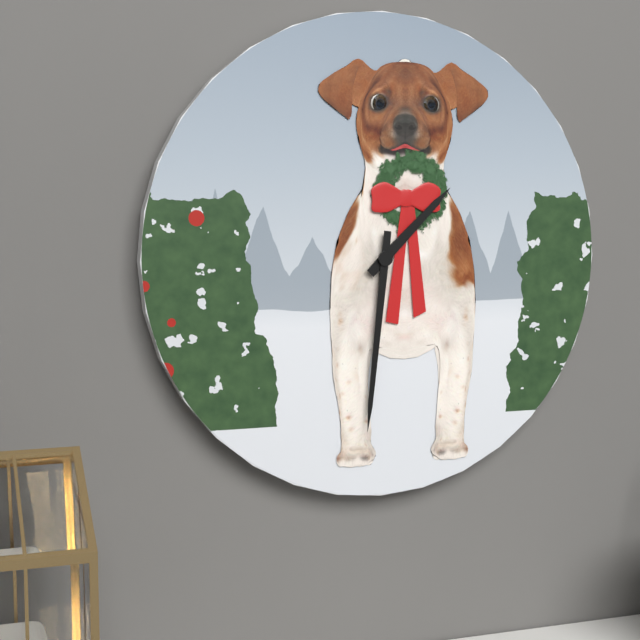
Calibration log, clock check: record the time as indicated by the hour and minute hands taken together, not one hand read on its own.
1:31
